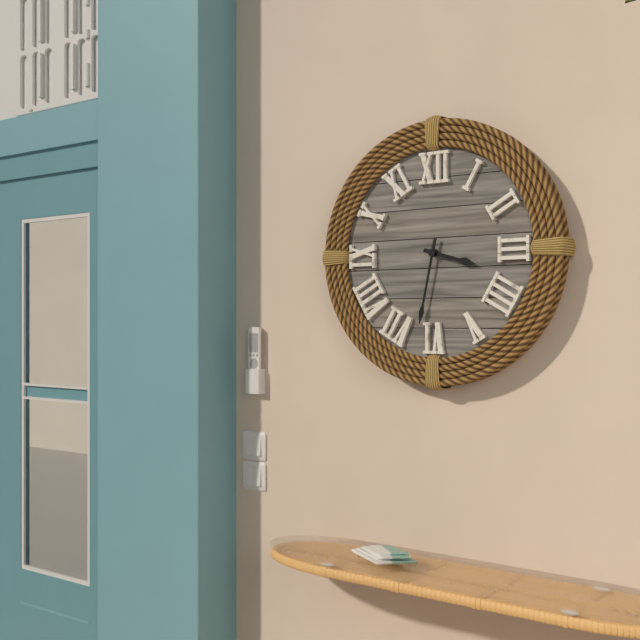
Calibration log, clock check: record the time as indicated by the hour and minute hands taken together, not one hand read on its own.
3:32
